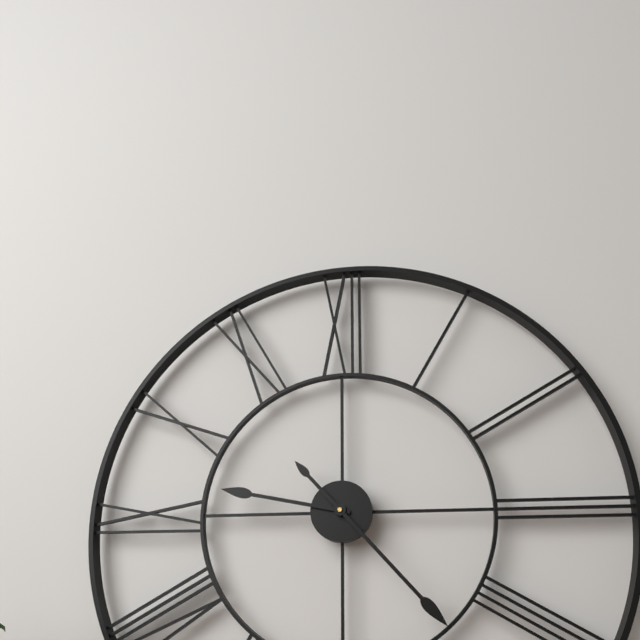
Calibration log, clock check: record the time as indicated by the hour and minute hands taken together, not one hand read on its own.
9:23
